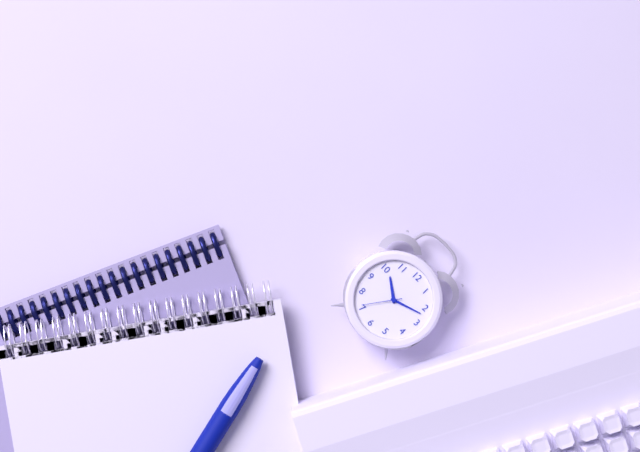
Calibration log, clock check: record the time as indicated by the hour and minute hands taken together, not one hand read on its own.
10:12
